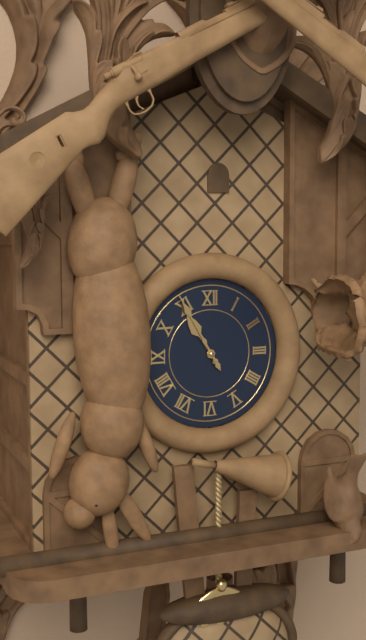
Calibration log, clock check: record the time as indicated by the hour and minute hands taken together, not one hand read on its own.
10:55
